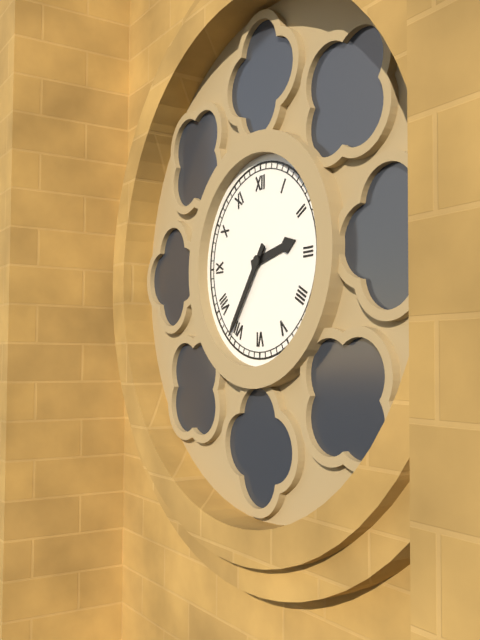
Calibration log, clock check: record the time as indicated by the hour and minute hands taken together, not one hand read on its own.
2:36
